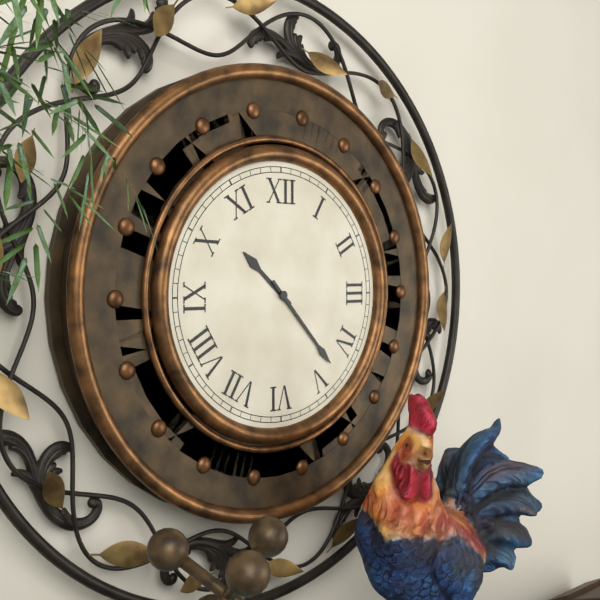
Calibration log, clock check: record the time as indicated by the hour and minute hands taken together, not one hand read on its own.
10:23
